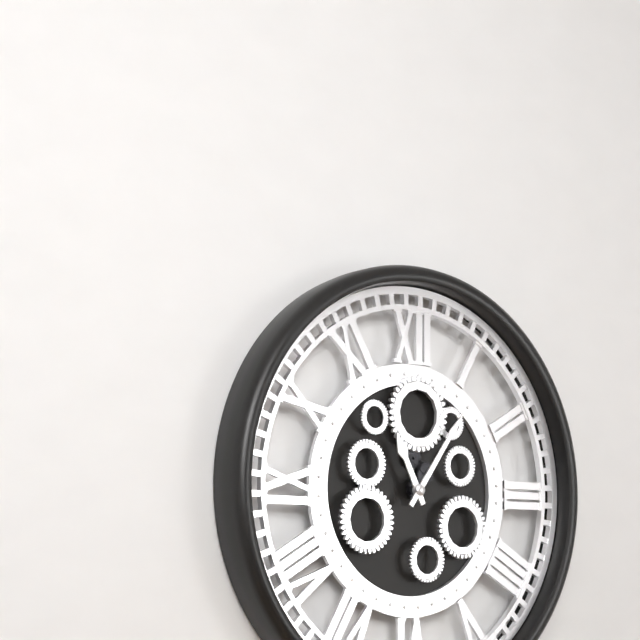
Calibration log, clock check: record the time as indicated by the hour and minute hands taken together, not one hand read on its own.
11:06
